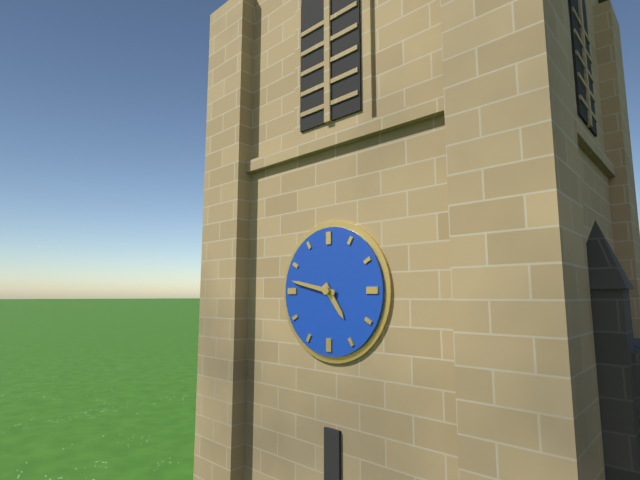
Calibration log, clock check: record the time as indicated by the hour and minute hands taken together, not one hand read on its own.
4:47
